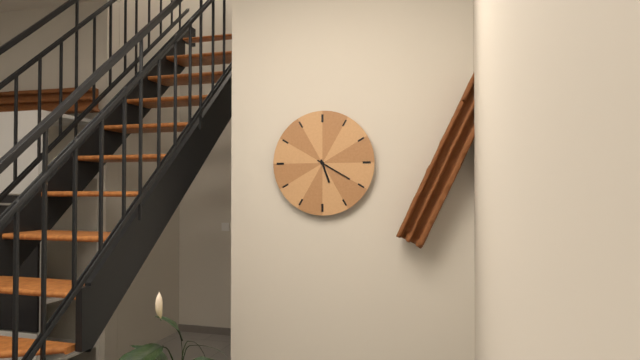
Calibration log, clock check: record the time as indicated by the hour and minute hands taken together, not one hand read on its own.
5:20
